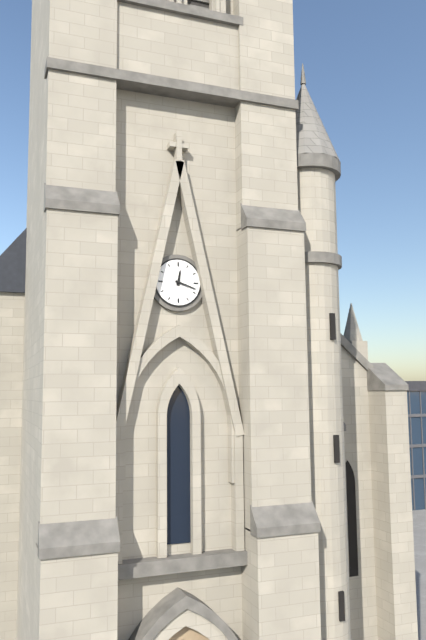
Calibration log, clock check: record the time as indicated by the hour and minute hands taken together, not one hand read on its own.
12:18
